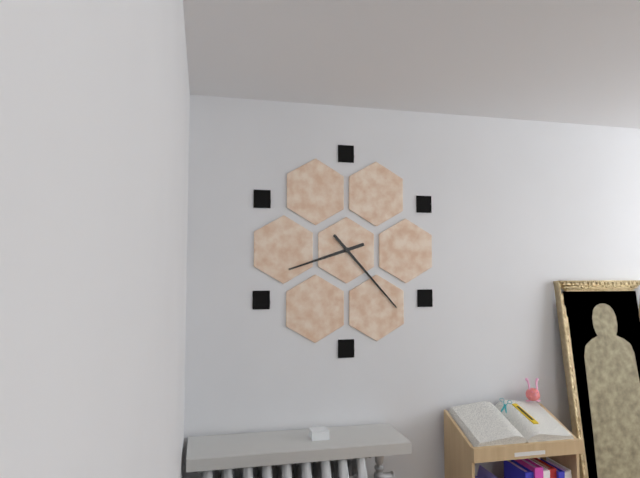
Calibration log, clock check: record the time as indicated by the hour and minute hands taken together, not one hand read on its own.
8:23
